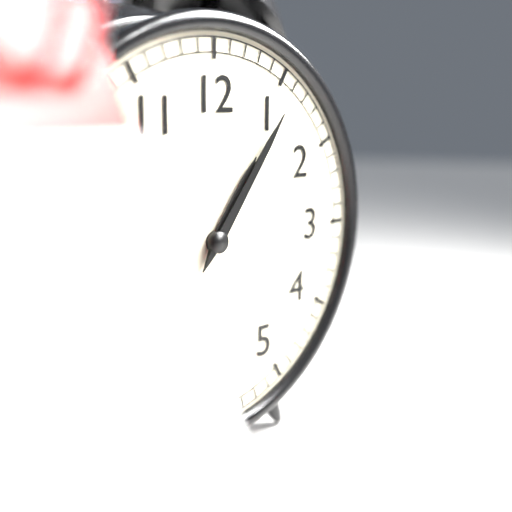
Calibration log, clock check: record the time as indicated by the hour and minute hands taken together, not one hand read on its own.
1:06
